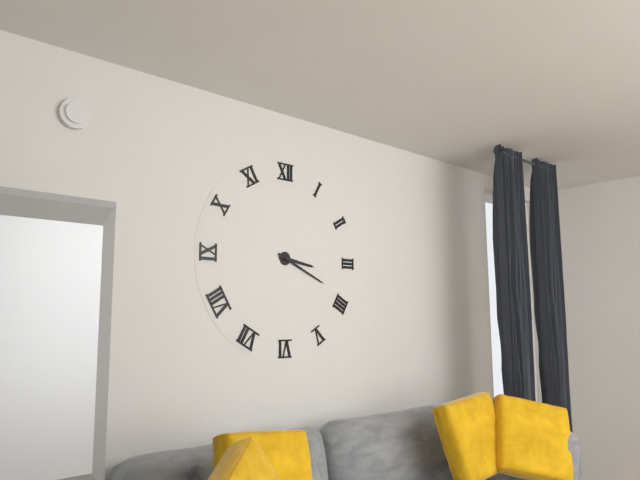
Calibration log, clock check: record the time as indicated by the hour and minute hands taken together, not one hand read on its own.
3:19
